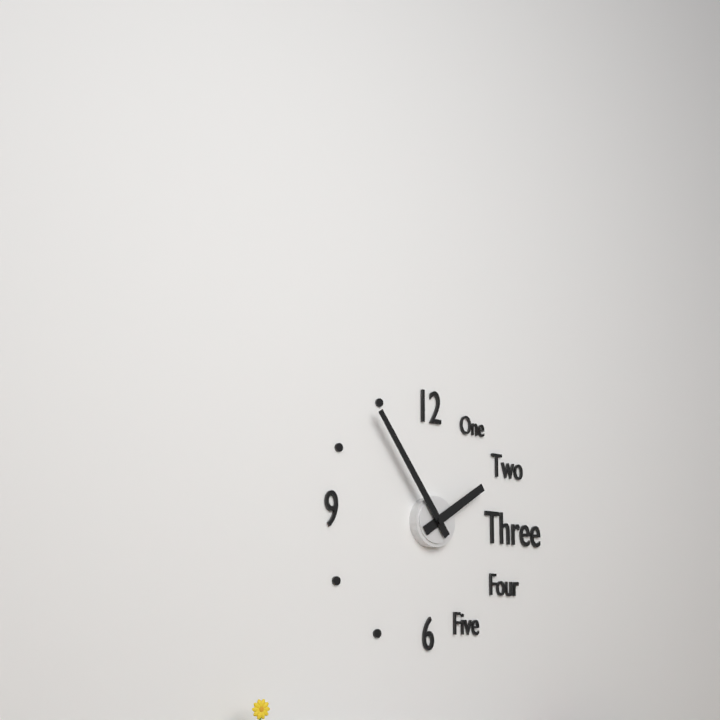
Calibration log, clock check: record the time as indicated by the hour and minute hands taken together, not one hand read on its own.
1:54
